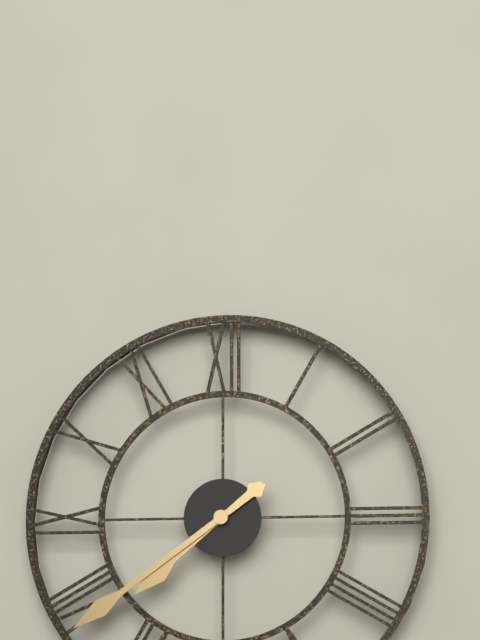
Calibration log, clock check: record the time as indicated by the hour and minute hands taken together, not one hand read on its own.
7:39
